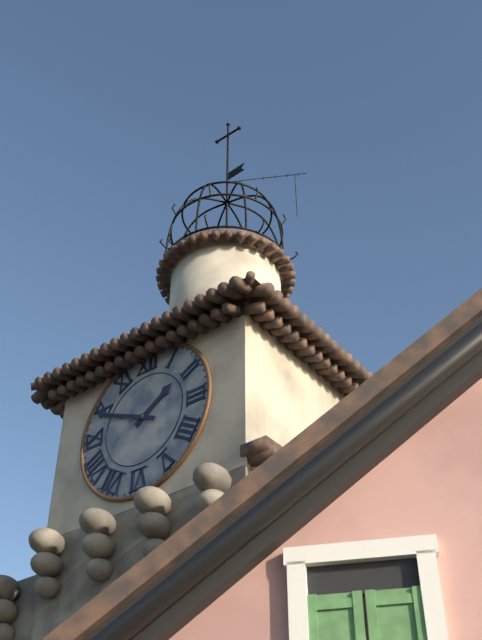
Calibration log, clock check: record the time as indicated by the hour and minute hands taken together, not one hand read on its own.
1:49
